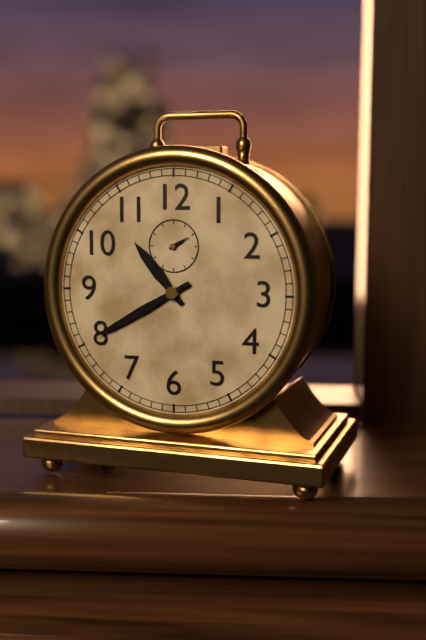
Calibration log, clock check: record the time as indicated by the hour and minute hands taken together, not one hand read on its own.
10:40
